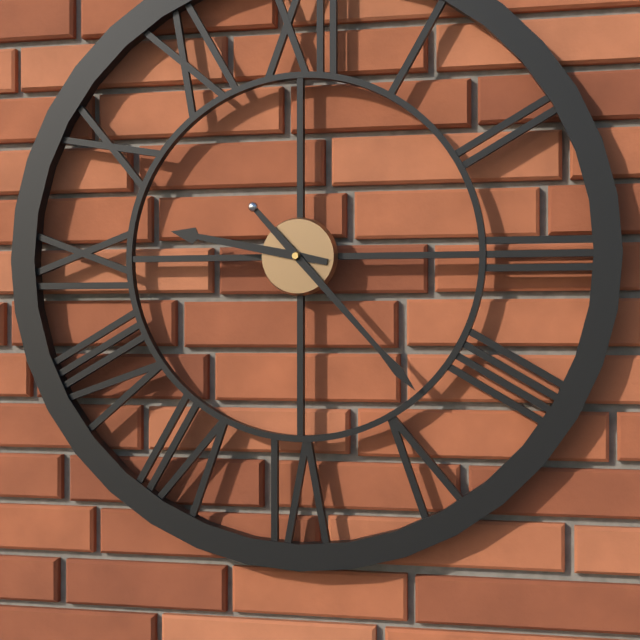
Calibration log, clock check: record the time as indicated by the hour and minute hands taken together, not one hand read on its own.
9:23
